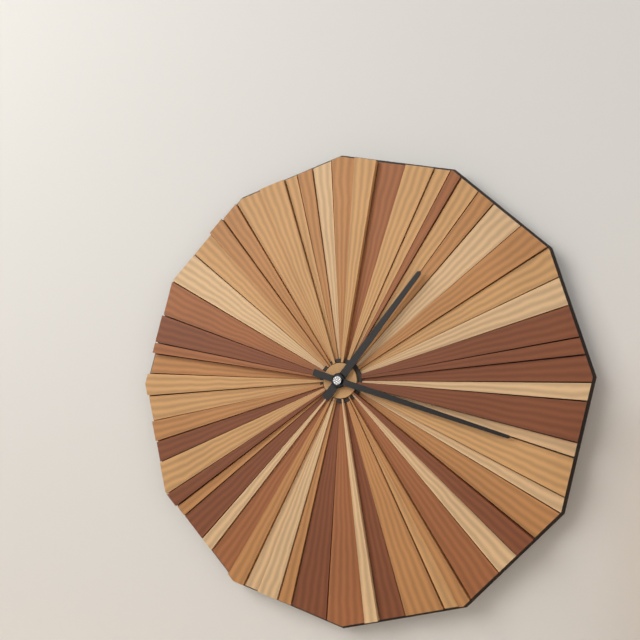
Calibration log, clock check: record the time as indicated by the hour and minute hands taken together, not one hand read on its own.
1:18
